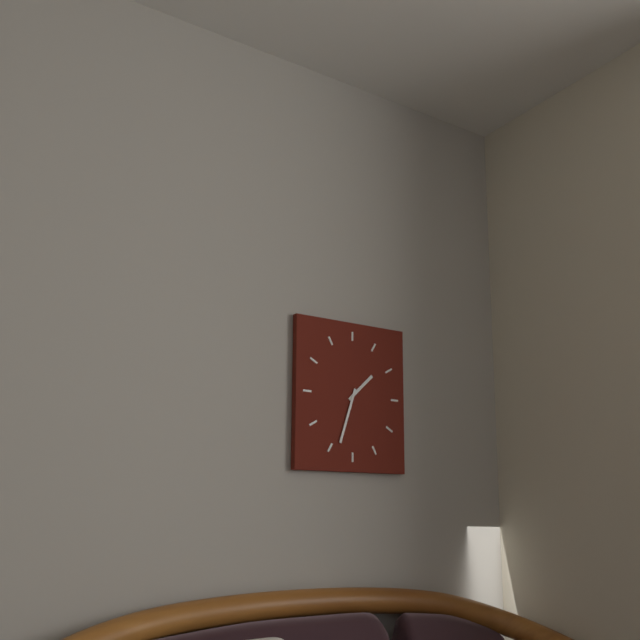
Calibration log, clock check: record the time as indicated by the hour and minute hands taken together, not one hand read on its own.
1:33
